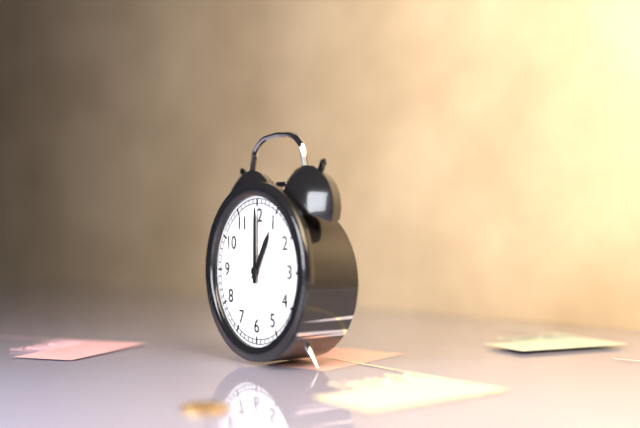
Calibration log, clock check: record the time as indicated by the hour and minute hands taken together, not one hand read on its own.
1:00
